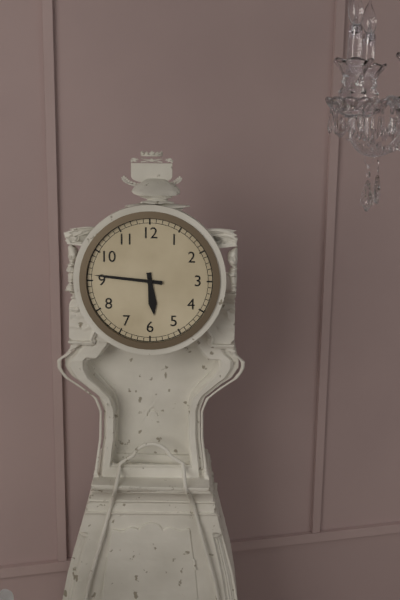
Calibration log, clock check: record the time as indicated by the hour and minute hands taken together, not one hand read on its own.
5:46
